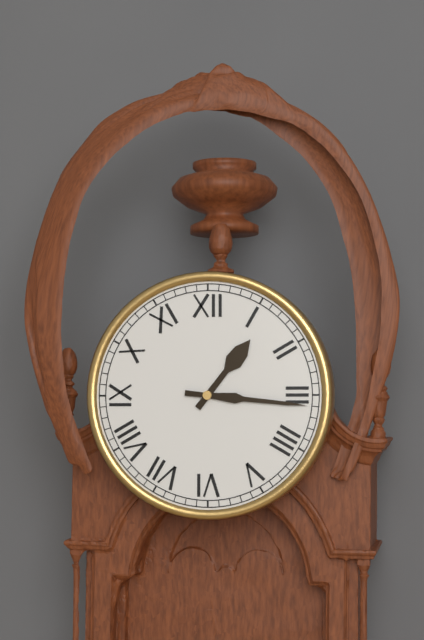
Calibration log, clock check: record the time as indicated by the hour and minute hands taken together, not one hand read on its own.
1:16
